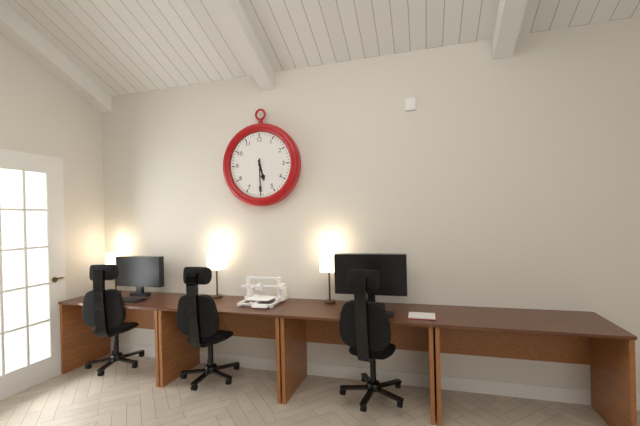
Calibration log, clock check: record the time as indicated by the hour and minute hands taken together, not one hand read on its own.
5:30
